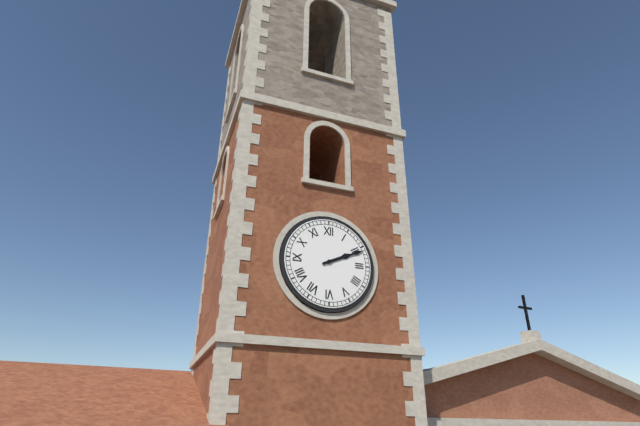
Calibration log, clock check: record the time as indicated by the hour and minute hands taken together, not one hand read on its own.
2:11
